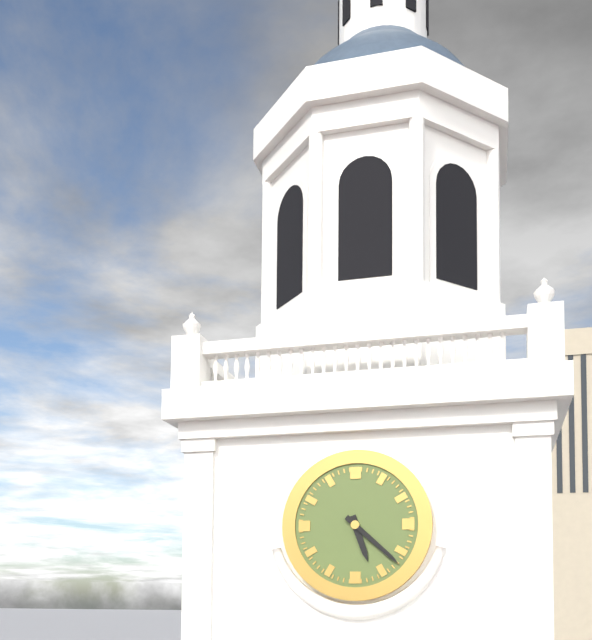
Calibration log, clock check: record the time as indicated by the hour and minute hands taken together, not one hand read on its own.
5:22
